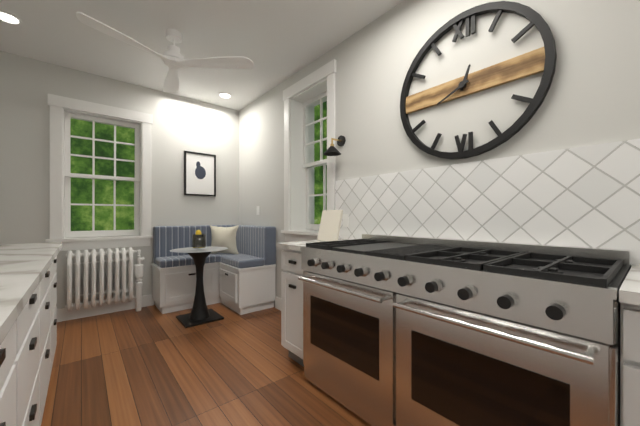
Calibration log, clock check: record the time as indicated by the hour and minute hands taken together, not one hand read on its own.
12:41
